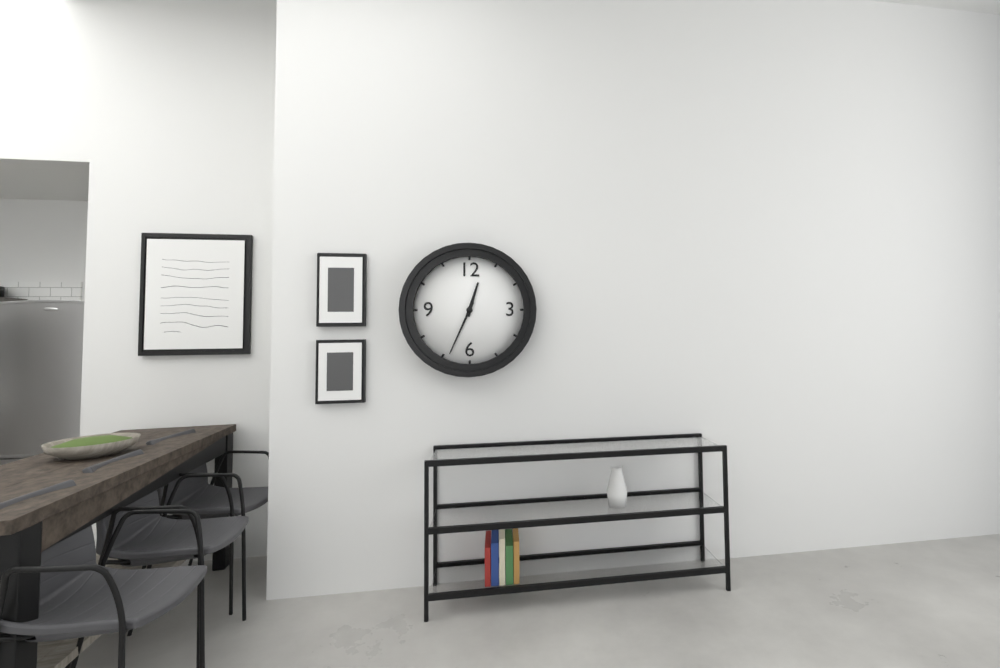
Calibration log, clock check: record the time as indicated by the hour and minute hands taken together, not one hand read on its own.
12:34
